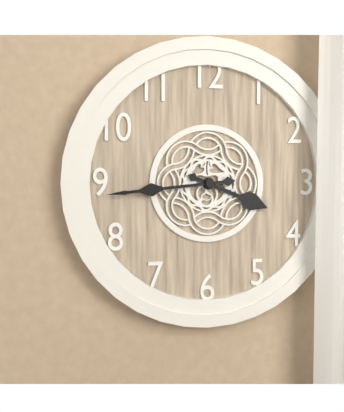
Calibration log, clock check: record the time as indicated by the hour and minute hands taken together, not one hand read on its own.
3:44
